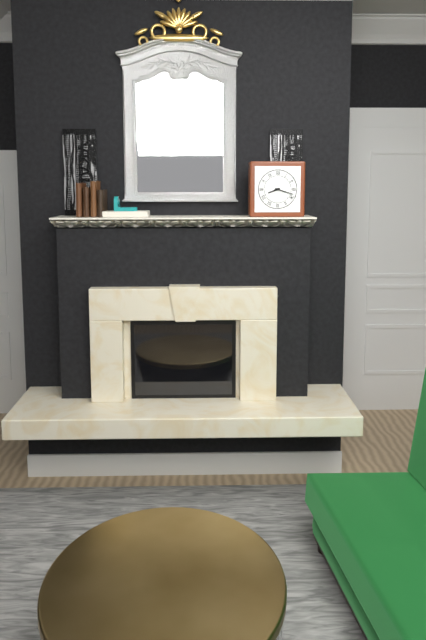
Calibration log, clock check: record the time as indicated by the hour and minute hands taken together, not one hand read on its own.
8:18
